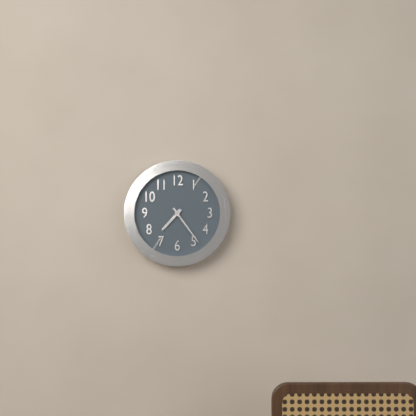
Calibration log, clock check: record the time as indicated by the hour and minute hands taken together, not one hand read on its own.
7:24
